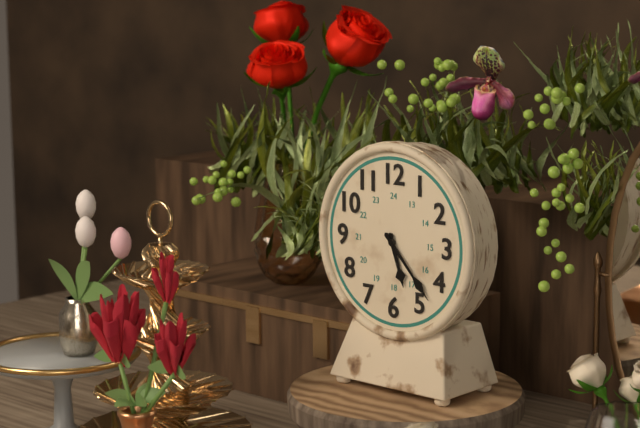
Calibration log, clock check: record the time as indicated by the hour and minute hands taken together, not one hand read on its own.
5:23
